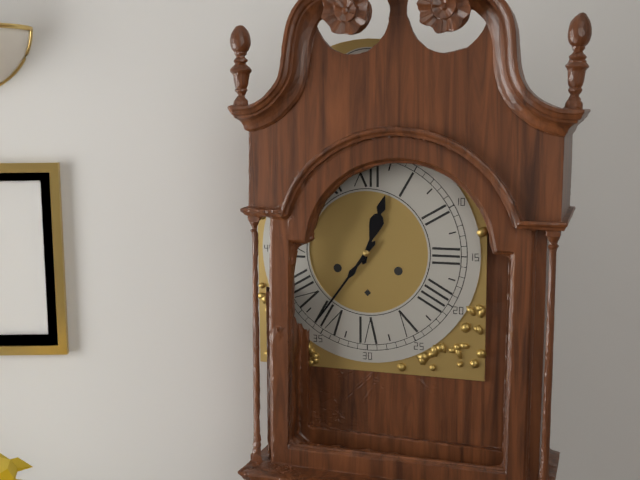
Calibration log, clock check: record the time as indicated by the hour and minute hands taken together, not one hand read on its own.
12:36
